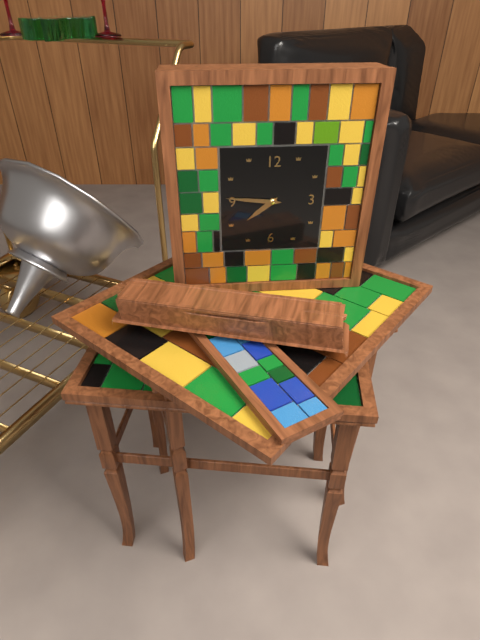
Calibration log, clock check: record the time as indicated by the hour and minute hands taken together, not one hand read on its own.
7:46
